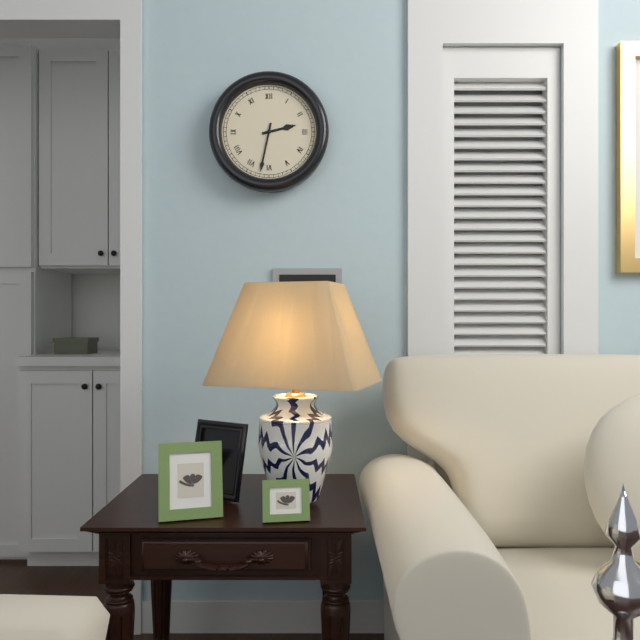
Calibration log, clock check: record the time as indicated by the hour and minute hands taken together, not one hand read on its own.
2:32
